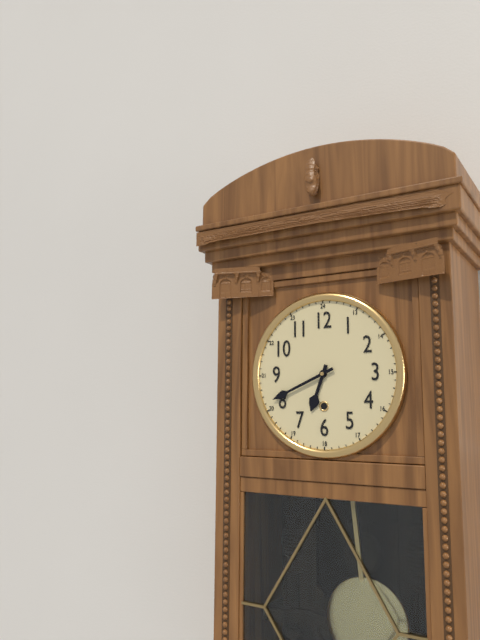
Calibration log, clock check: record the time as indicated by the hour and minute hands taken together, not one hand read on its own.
6:41
